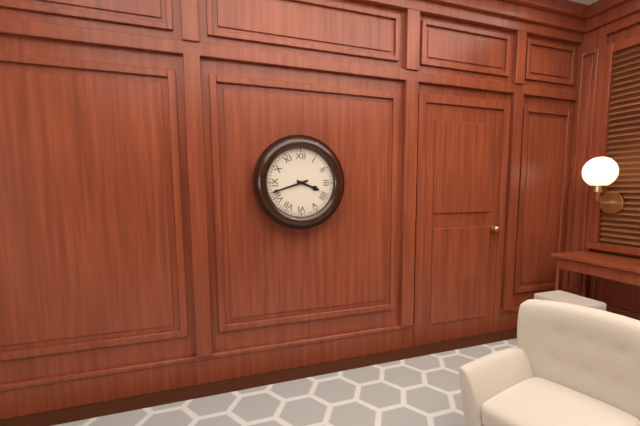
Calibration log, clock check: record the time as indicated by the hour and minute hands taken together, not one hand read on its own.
3:42
